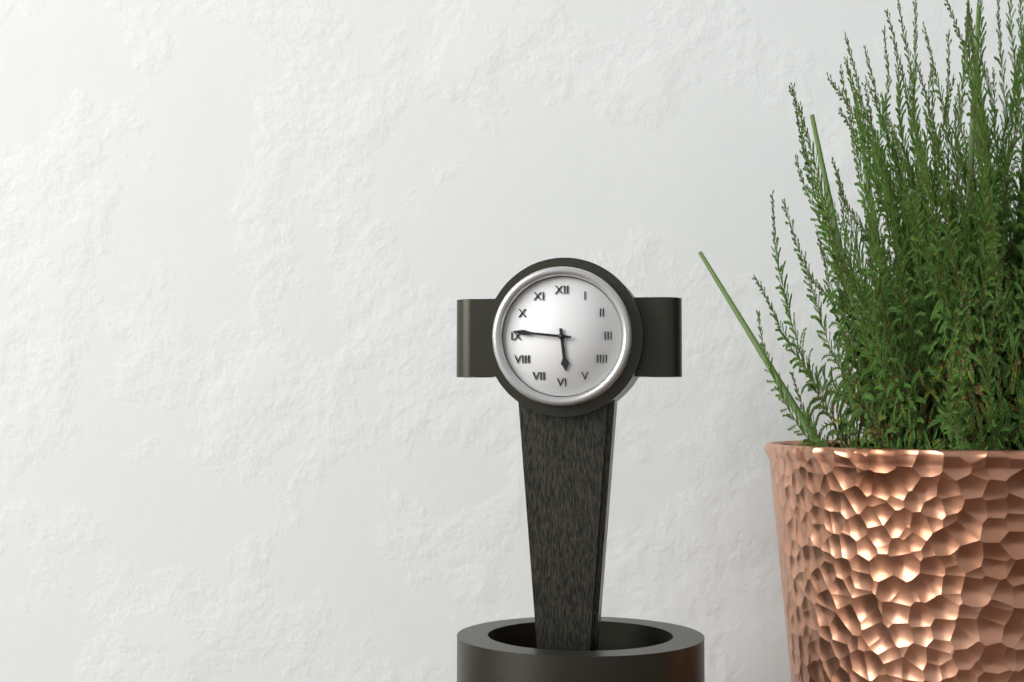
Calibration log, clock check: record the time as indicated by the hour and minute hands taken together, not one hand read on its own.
5:46
